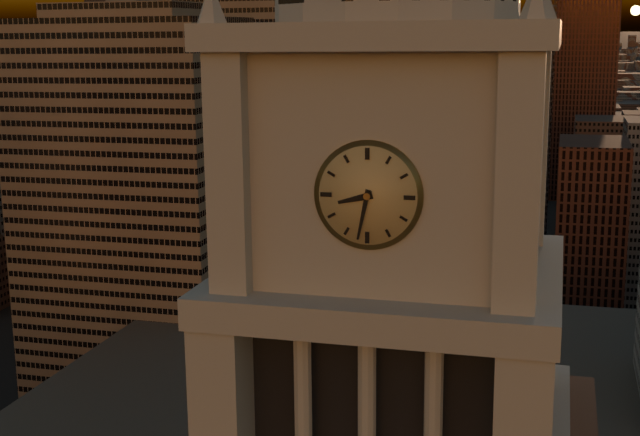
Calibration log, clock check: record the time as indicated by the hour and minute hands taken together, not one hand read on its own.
8:32
